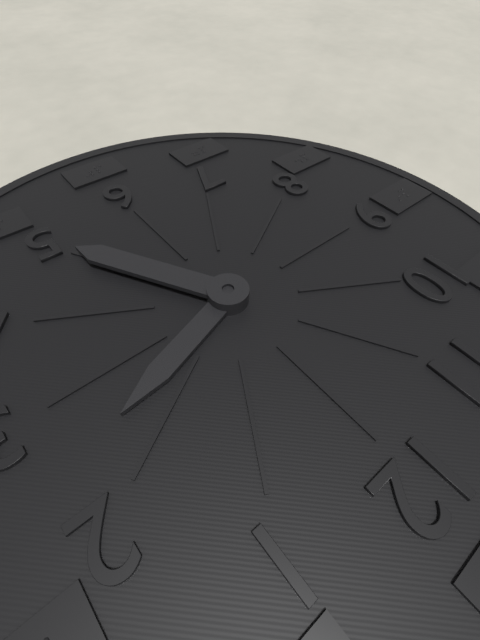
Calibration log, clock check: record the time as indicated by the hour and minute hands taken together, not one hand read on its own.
2:25
